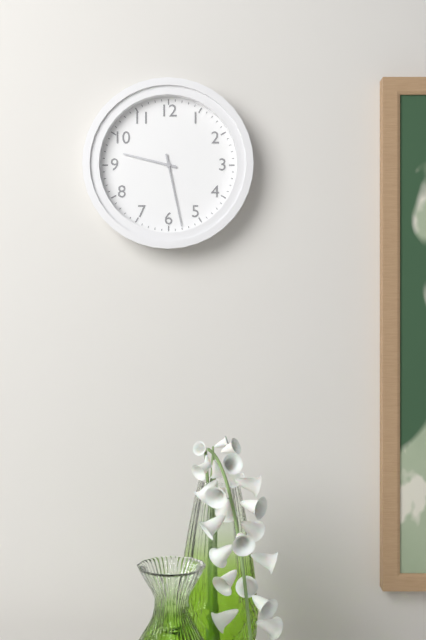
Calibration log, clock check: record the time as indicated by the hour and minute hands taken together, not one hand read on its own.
9:28
